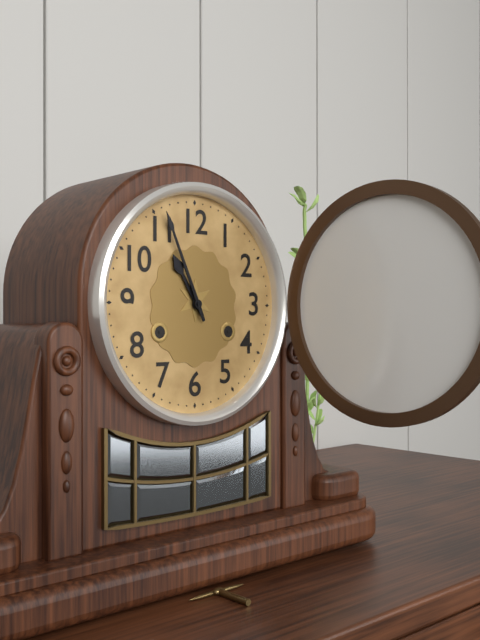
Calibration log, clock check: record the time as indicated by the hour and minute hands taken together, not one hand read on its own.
10:56
